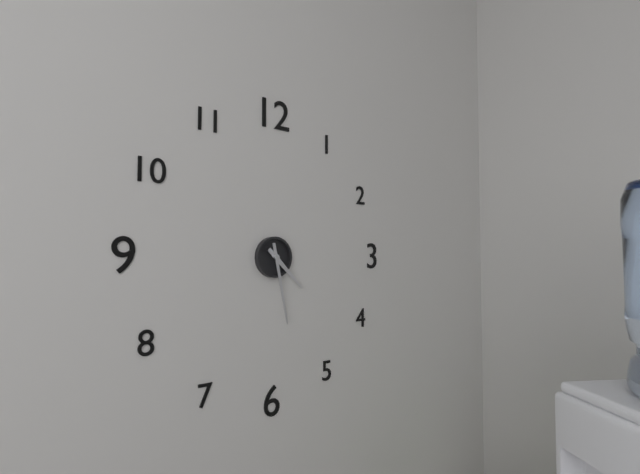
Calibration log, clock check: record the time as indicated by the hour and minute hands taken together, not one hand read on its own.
4:28
